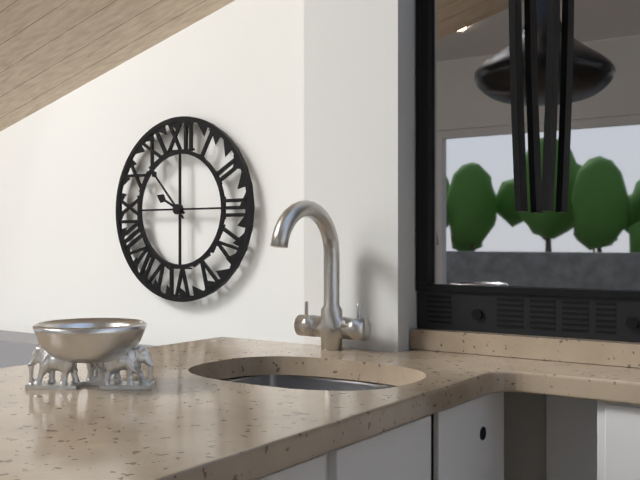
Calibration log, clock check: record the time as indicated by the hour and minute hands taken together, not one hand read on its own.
9:53
